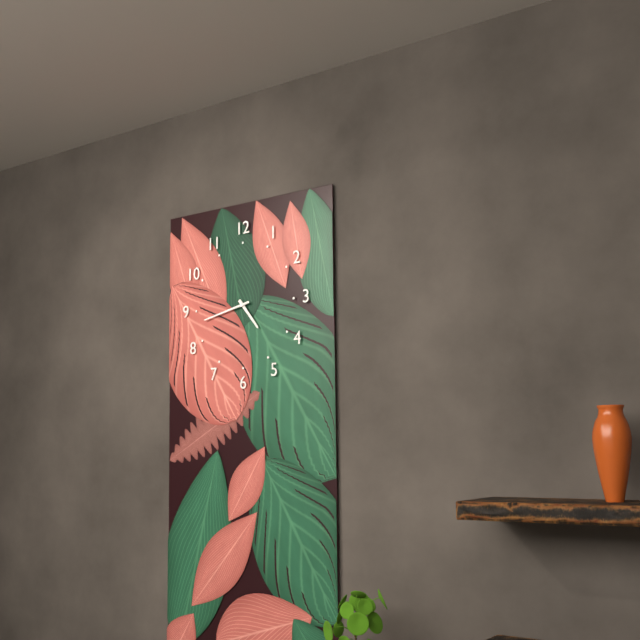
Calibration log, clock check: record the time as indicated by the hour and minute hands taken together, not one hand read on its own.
4:43
